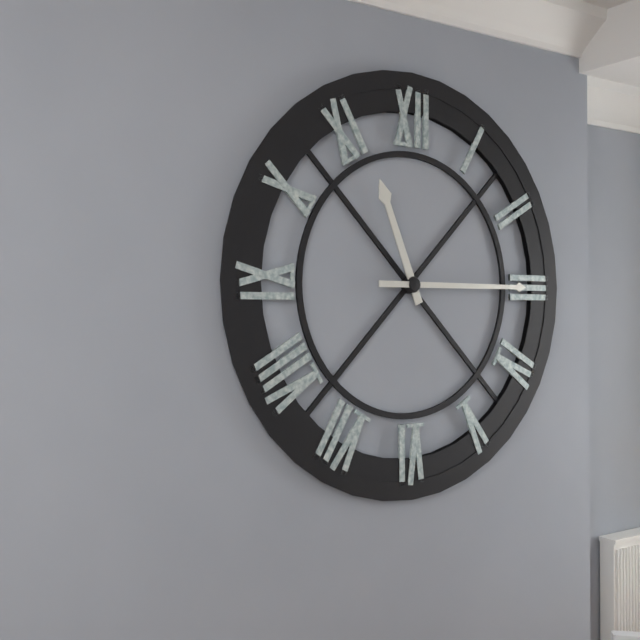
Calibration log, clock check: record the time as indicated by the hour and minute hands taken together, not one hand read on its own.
11:15
